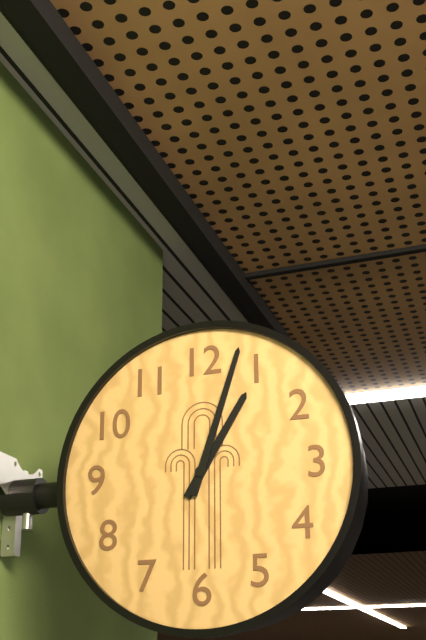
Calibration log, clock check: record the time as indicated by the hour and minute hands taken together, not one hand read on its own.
1:03
